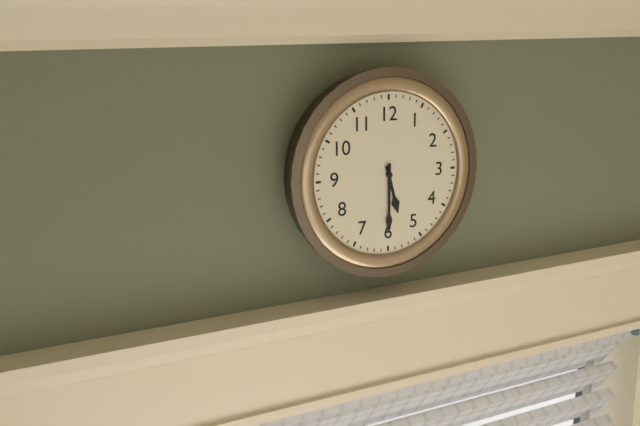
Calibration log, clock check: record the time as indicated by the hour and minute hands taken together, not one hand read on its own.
5:30
